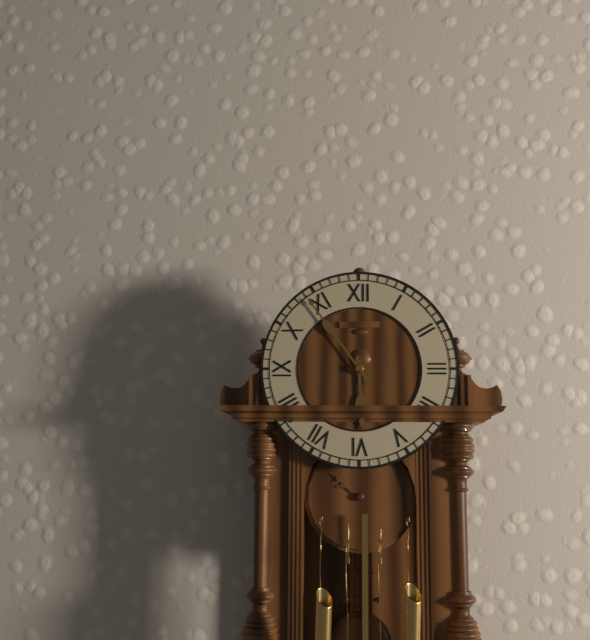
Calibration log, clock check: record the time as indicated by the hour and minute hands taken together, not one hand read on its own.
5:54
